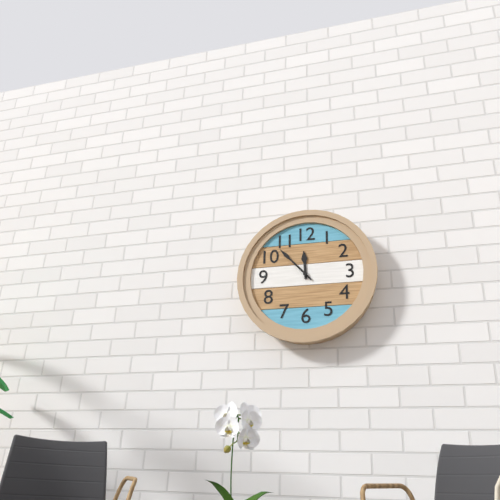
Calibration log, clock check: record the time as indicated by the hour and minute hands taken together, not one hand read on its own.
11:53
